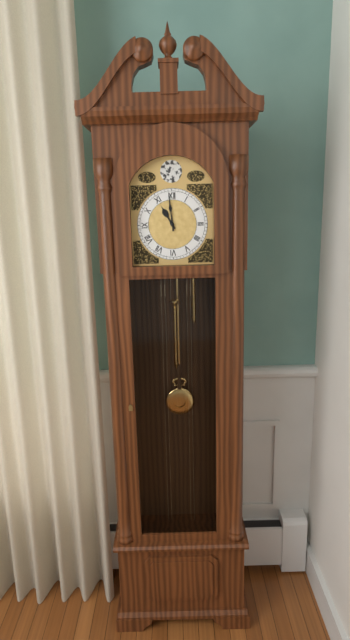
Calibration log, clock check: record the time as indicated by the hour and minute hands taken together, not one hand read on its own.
10:59
